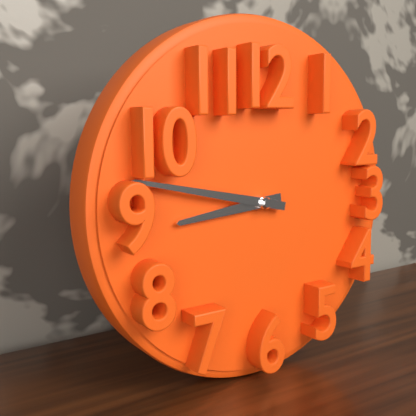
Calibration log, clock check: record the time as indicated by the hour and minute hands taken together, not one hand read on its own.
8:47
